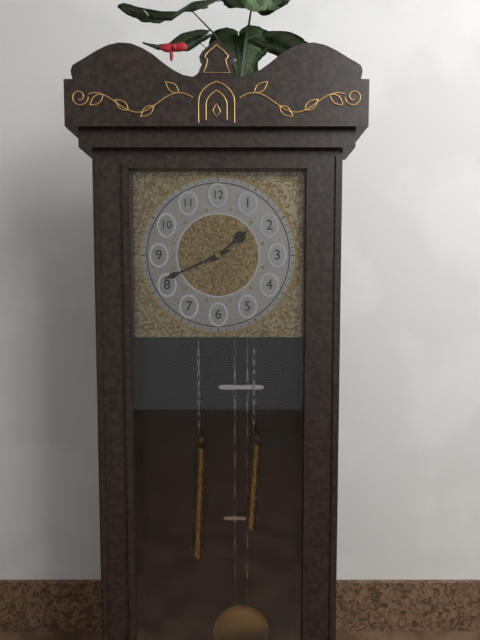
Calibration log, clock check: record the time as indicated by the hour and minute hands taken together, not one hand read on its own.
1:41
